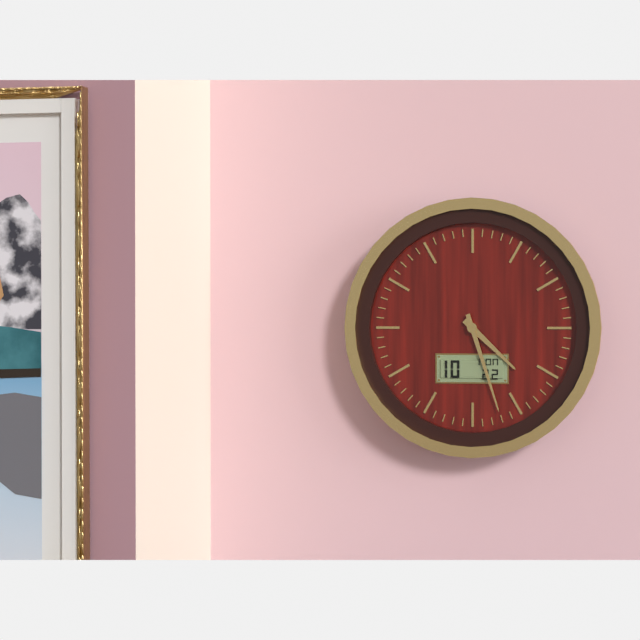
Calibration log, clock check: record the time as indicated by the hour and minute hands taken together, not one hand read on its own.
4:27
